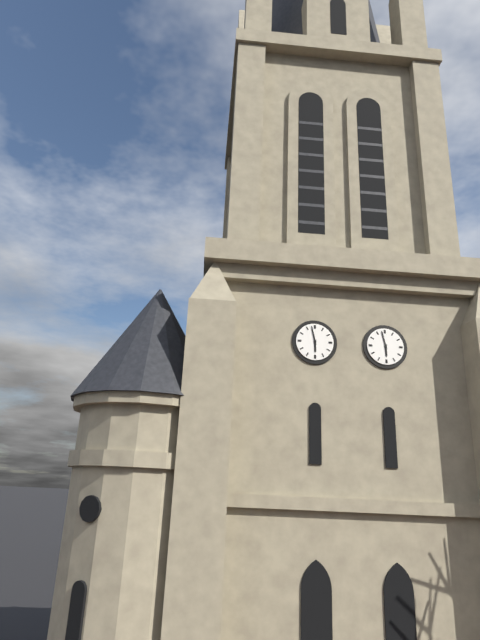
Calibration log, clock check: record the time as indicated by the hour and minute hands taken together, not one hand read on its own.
5:58
